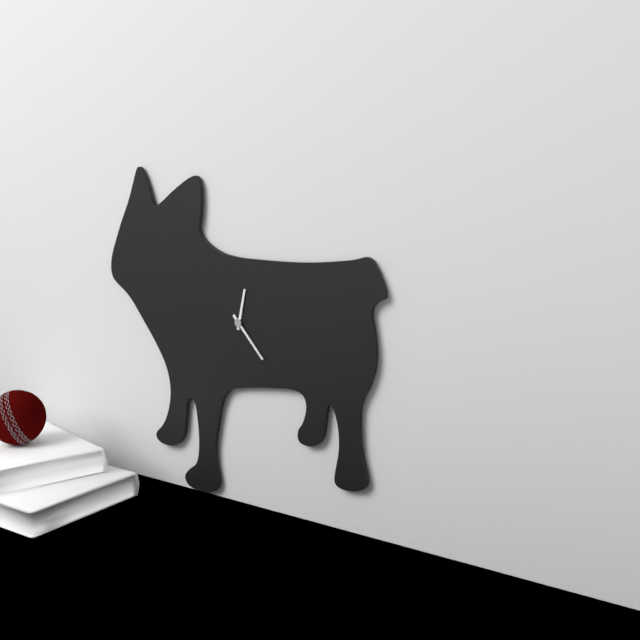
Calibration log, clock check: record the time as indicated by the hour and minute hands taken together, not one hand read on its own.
12:23
